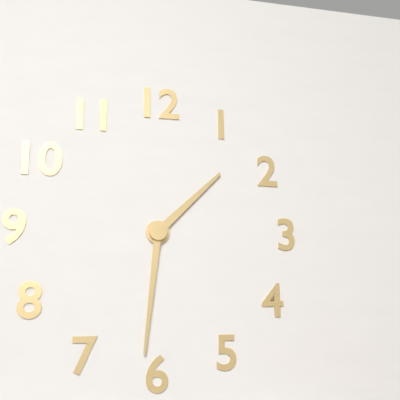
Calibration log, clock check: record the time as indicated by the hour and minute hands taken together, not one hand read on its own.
1:31
